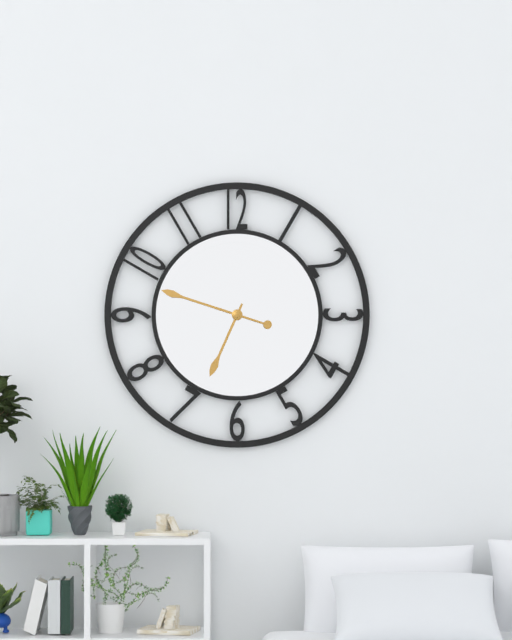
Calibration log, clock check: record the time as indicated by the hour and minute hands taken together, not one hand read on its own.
6:48
